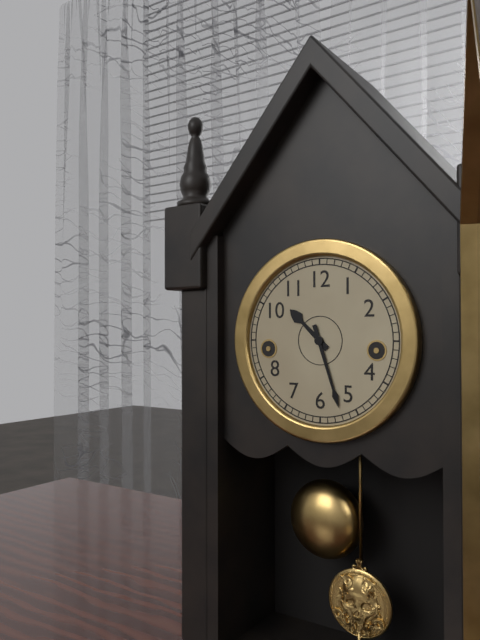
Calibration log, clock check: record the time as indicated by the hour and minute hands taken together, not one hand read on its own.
10:27
